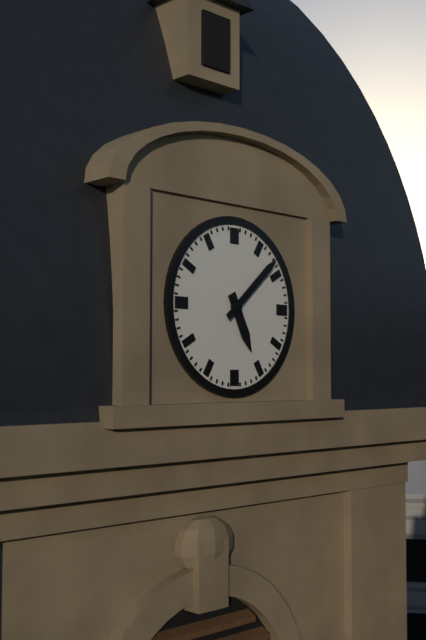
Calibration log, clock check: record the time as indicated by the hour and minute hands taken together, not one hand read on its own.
5:08
